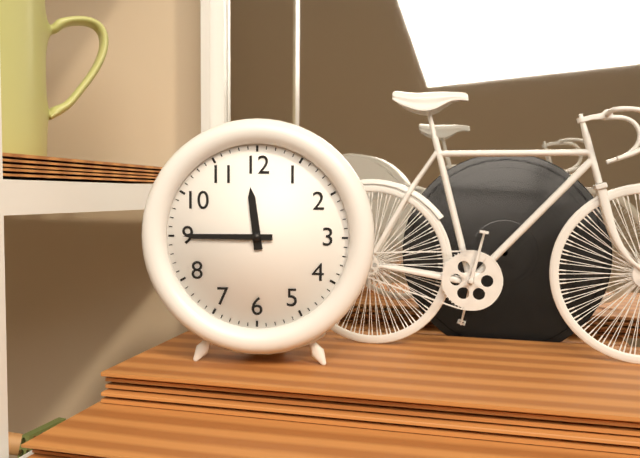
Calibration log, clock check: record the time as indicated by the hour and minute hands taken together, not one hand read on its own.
11:45
